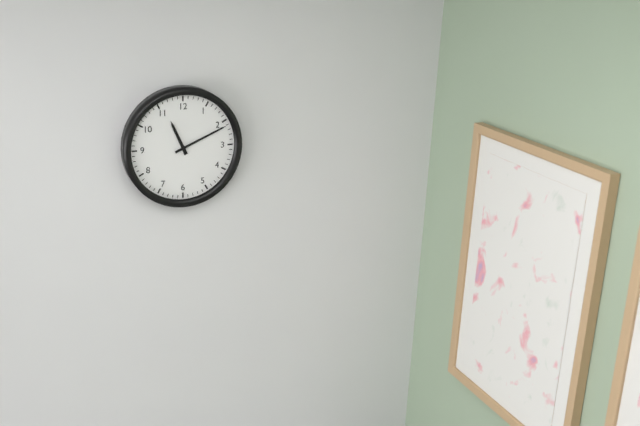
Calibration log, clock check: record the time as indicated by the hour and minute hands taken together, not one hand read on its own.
11:11
